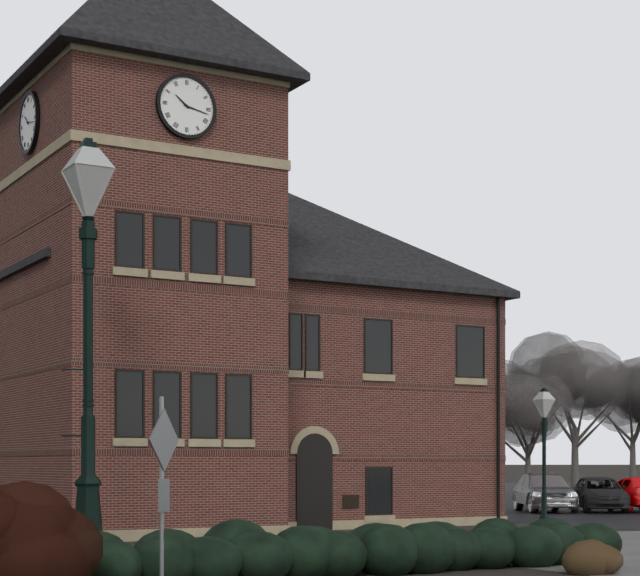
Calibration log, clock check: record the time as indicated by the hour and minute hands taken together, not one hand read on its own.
10:17
